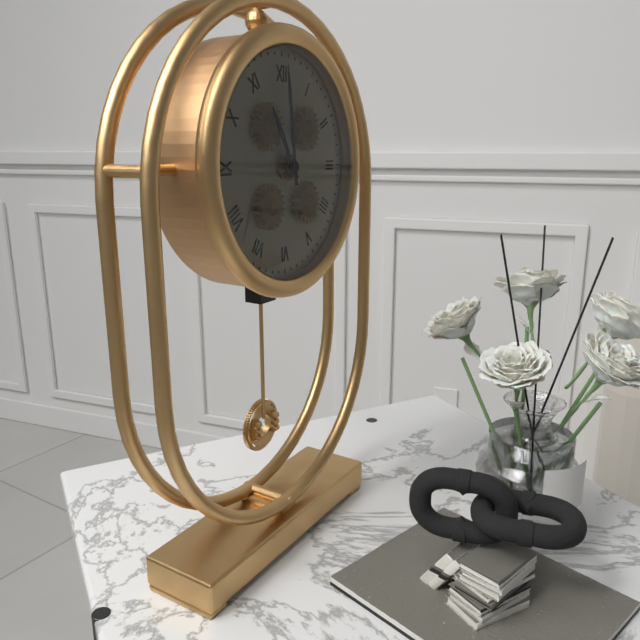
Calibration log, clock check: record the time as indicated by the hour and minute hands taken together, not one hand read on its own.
10:59
